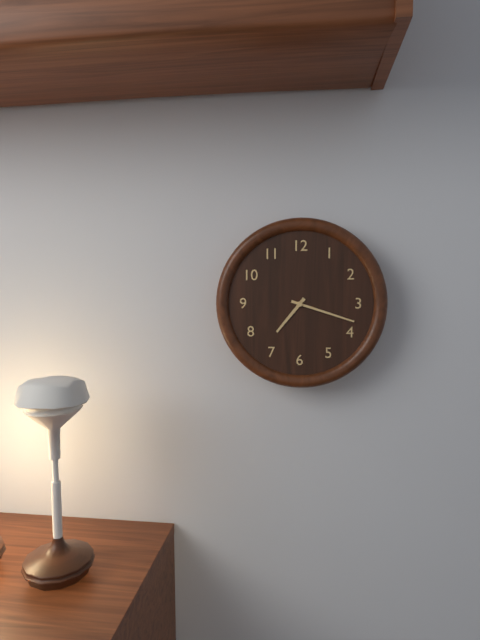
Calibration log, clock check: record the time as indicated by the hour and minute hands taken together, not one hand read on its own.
7:18
